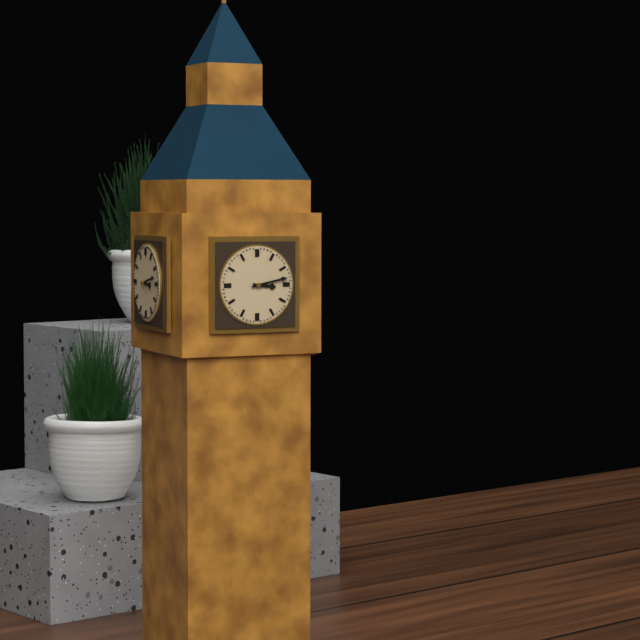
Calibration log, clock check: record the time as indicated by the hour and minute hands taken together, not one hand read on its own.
3:13
